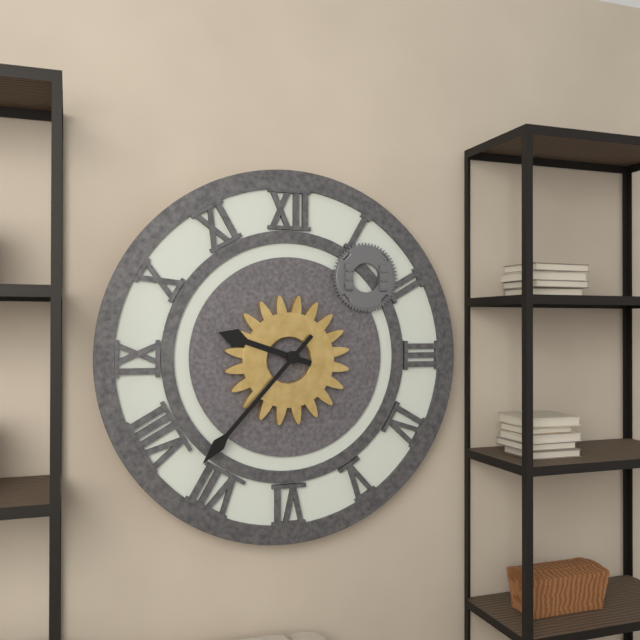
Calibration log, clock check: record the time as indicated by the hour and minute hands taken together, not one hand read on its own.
9:37
